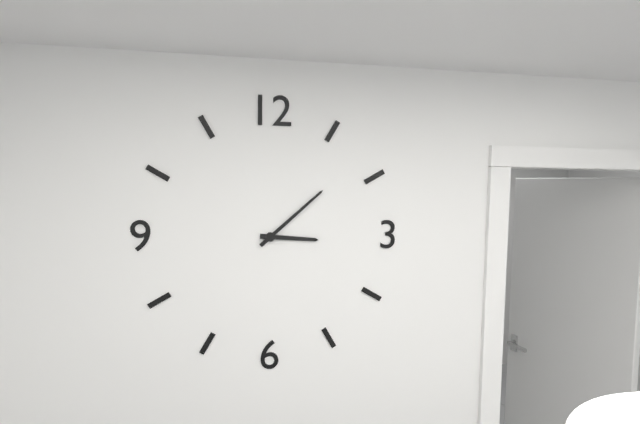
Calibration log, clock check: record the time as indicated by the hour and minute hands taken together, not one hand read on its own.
3:08
